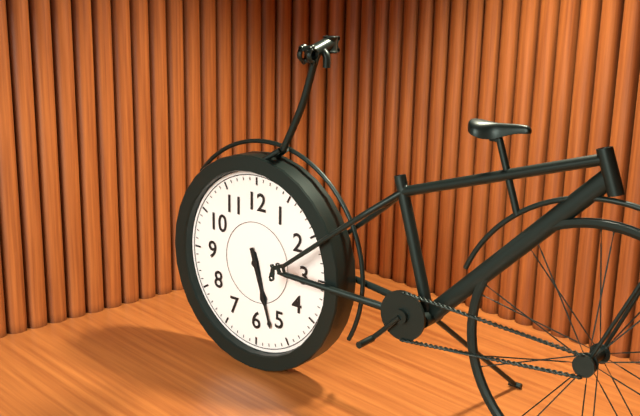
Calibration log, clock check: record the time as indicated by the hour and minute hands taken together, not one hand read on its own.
5:27
